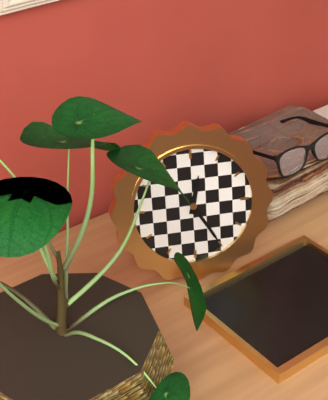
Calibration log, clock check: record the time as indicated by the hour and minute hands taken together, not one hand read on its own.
12:25
